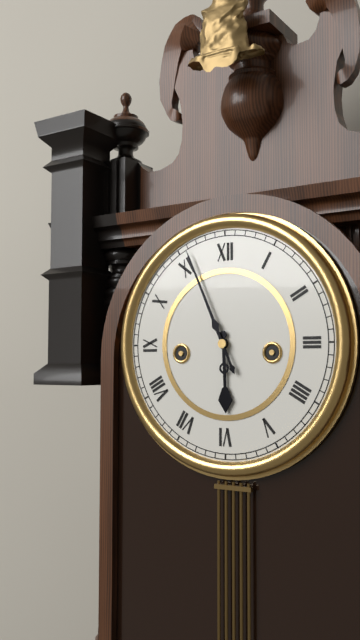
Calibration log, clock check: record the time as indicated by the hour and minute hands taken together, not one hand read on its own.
5:56
